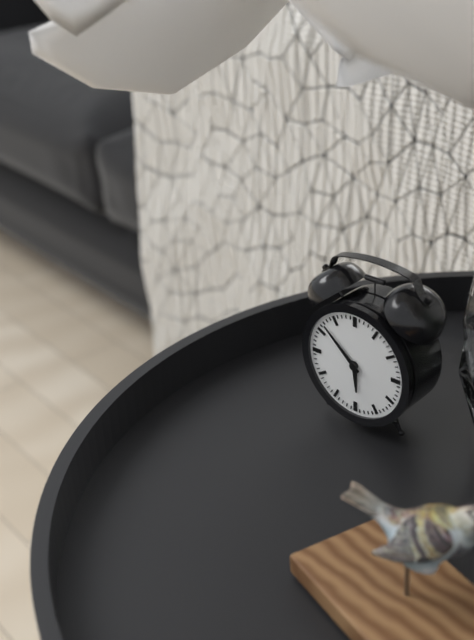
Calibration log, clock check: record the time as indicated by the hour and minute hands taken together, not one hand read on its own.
5:52
